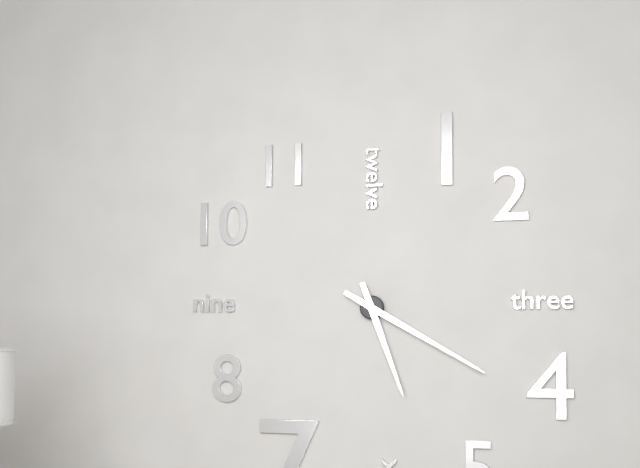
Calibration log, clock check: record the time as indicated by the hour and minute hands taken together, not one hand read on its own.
5:20
